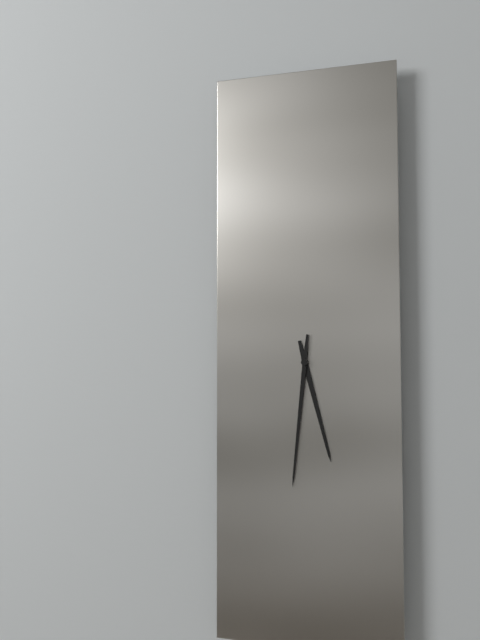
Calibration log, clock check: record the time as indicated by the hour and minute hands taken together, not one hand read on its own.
5:31
